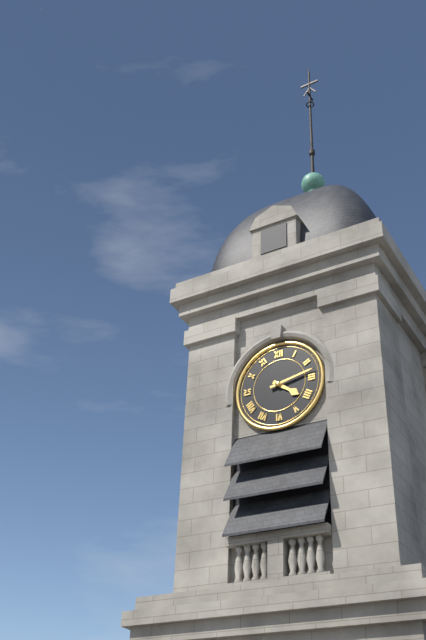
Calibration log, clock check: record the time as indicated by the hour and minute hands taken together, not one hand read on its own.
4:13
